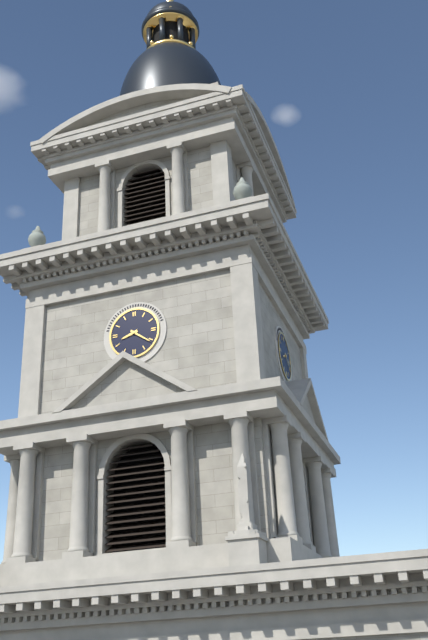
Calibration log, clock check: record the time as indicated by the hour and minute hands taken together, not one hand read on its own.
8:21
